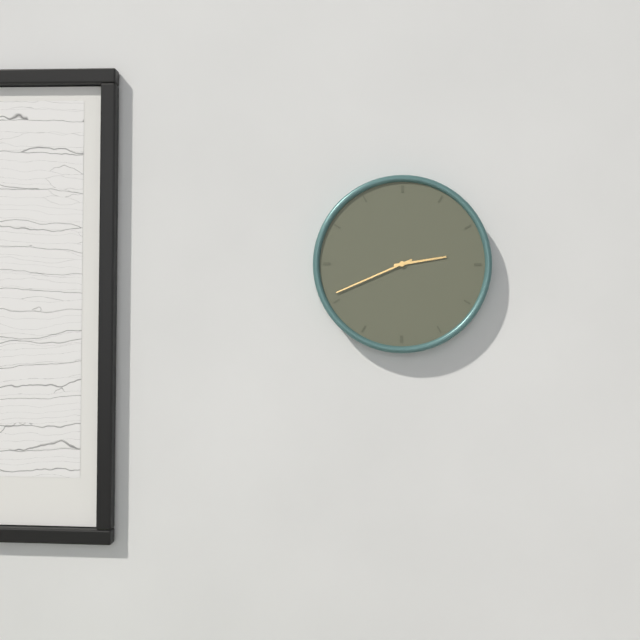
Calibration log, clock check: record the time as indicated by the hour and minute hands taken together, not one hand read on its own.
2:41
